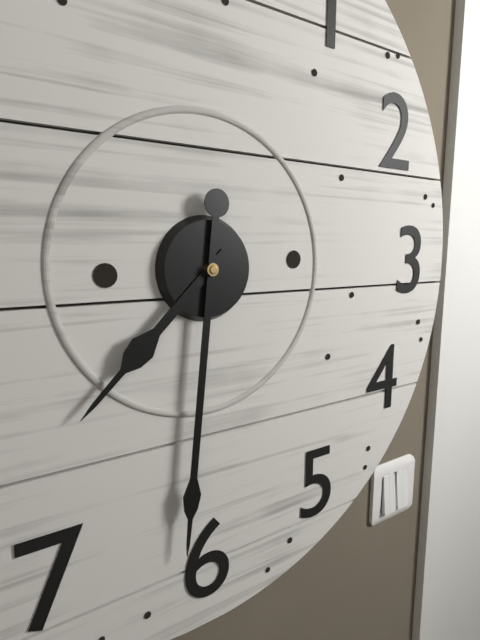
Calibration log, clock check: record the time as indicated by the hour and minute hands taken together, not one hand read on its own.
7:31
